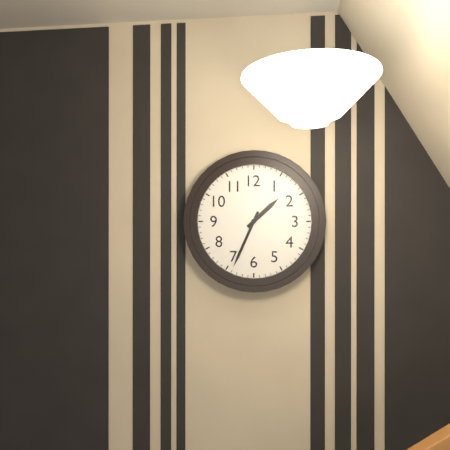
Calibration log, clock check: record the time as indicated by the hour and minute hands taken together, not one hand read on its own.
1:34
